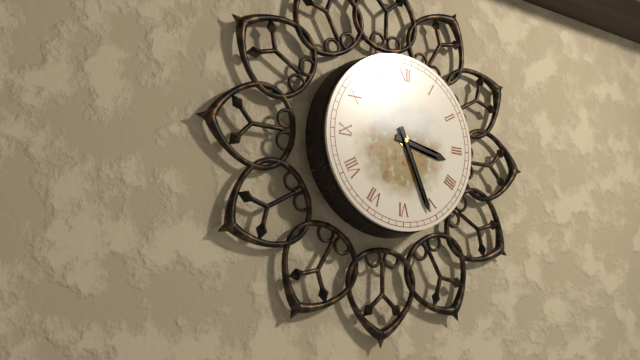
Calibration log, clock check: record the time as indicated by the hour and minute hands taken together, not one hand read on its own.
3:26
